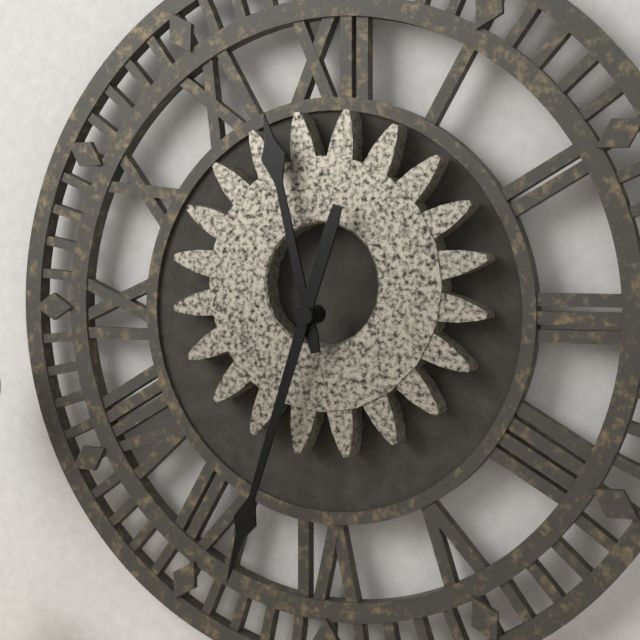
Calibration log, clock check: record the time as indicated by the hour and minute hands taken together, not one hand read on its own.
11:33
